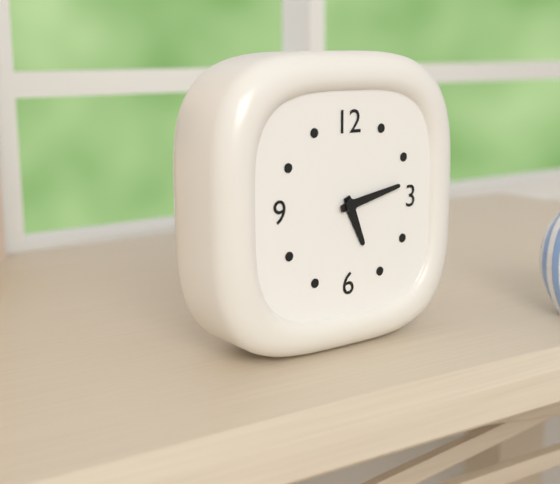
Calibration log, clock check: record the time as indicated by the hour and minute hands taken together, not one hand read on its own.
5:13
